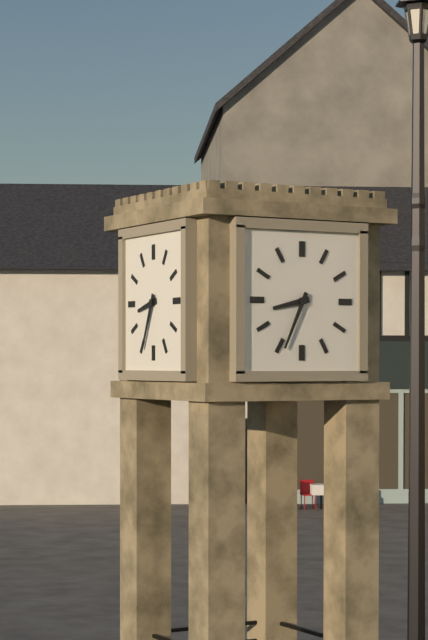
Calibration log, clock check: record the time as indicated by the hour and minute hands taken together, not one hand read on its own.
8:34
